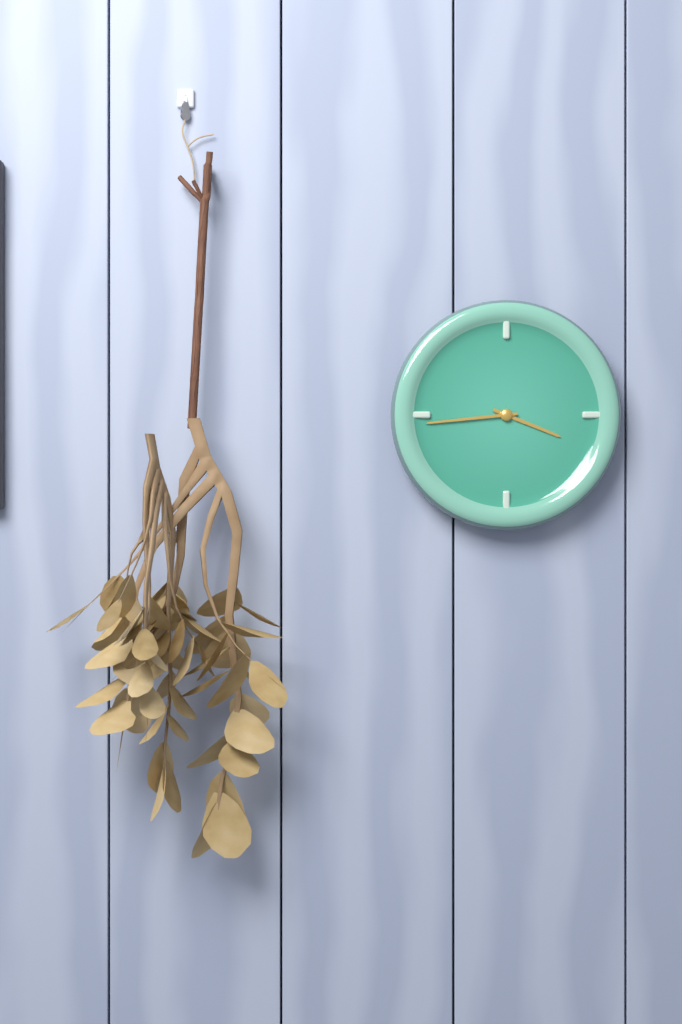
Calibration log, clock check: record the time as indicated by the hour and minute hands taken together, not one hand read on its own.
3:44
